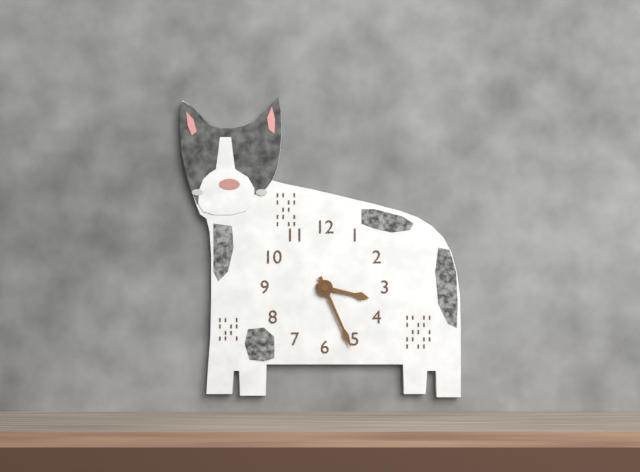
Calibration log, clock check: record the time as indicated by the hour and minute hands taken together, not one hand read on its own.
3:26
